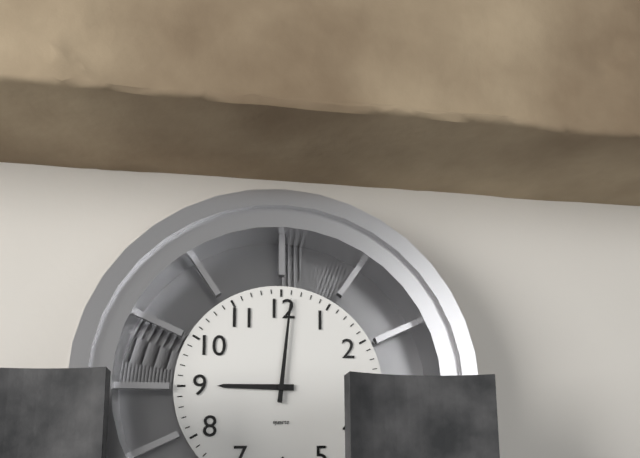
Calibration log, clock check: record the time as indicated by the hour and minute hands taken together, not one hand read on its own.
9:01
